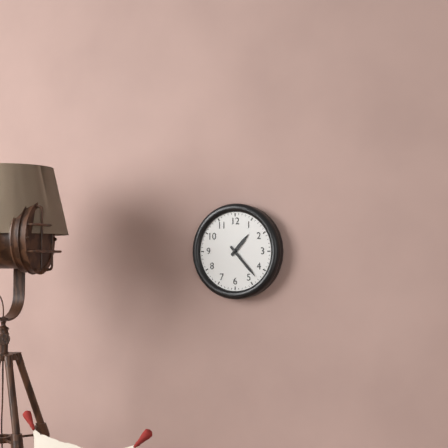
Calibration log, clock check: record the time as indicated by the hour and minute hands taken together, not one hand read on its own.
1:23
